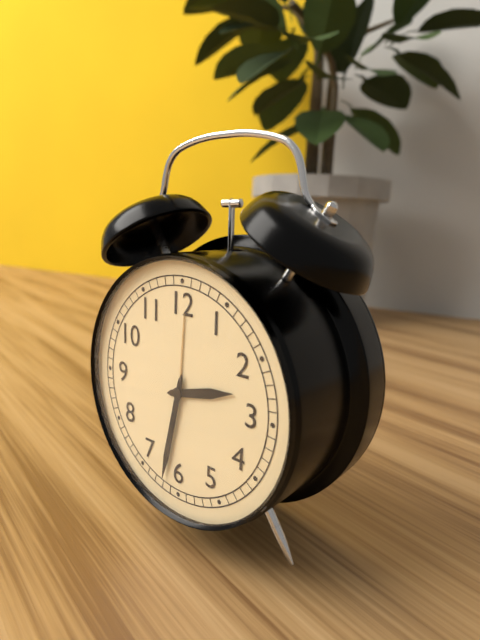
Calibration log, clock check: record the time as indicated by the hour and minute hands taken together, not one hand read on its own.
2:32
